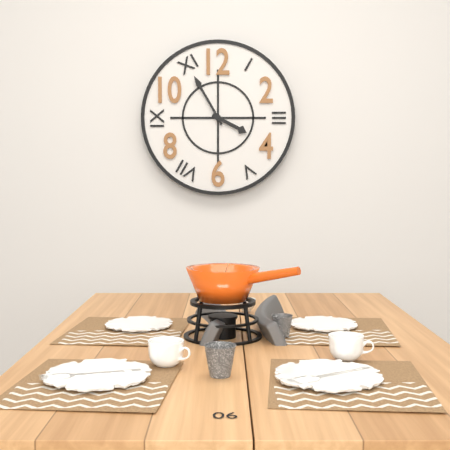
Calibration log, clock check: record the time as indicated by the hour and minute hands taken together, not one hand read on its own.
3:55
